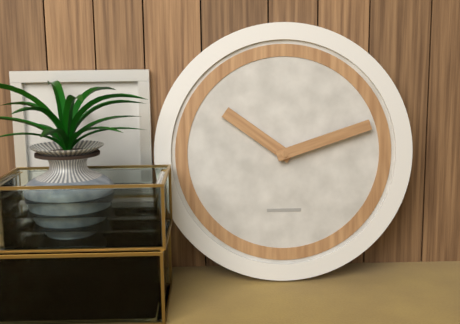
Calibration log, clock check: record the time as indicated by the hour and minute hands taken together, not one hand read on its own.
10:12
